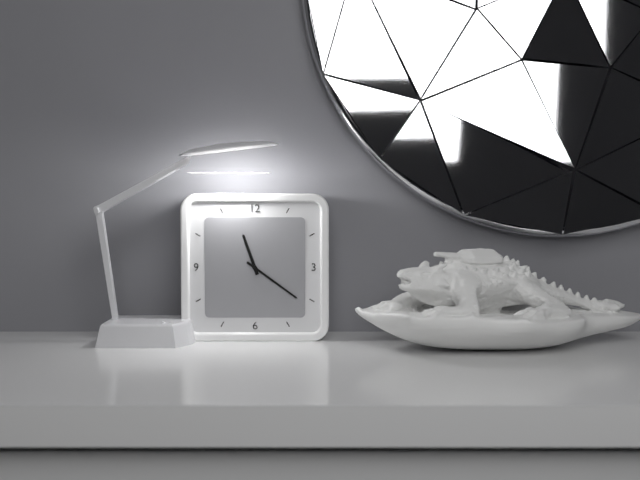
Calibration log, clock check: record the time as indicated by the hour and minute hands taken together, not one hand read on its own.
11:21
